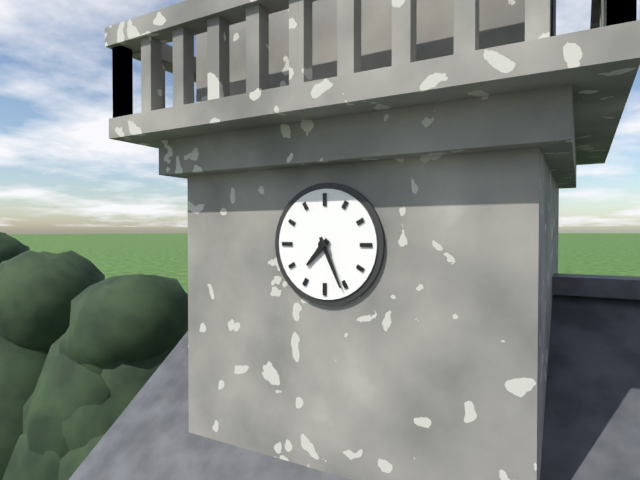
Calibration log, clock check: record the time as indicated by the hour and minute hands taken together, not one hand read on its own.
7:26
